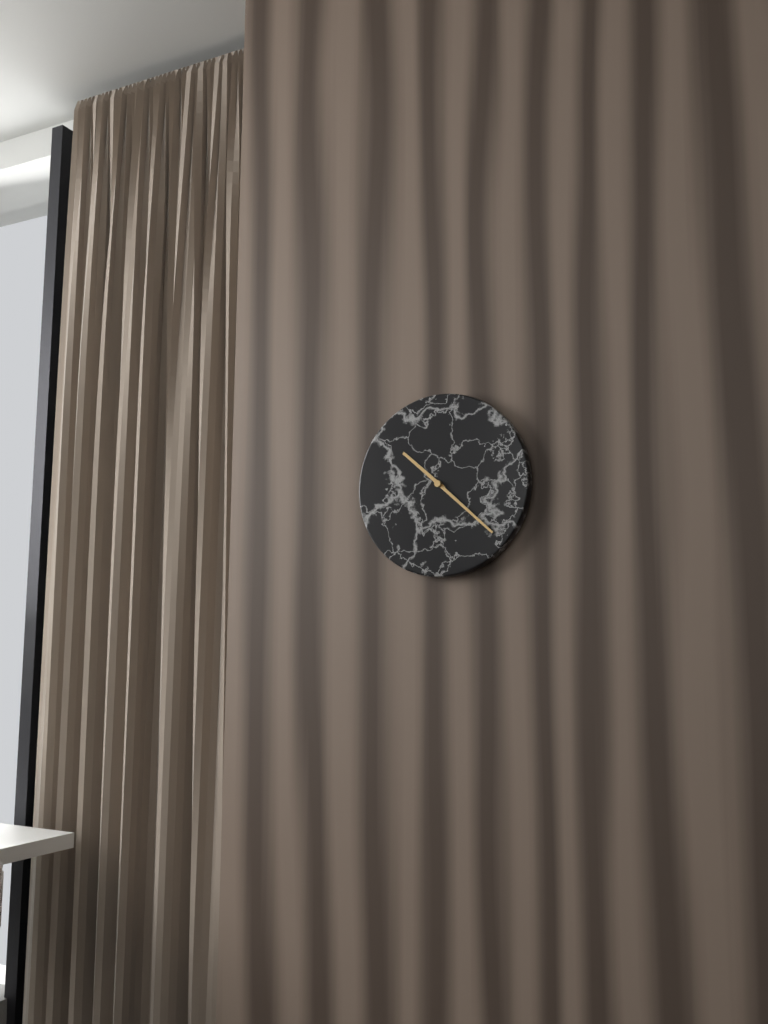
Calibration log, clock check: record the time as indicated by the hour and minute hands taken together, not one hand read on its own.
10:22
